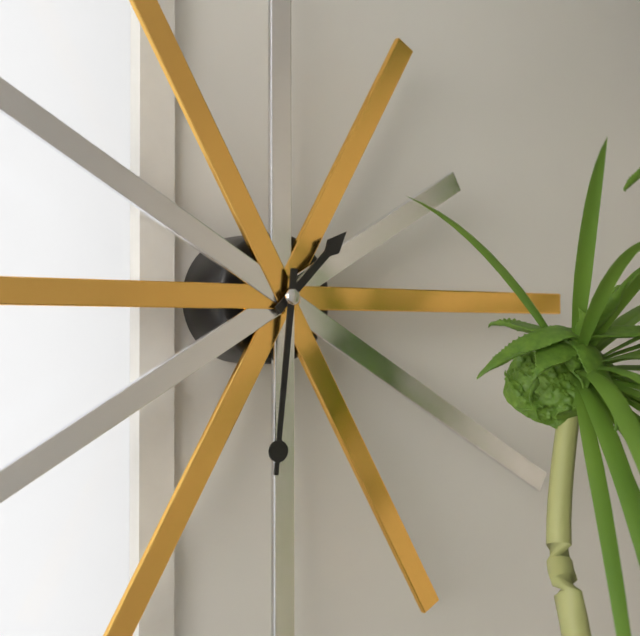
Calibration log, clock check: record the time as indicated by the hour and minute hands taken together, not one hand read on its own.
1:31
